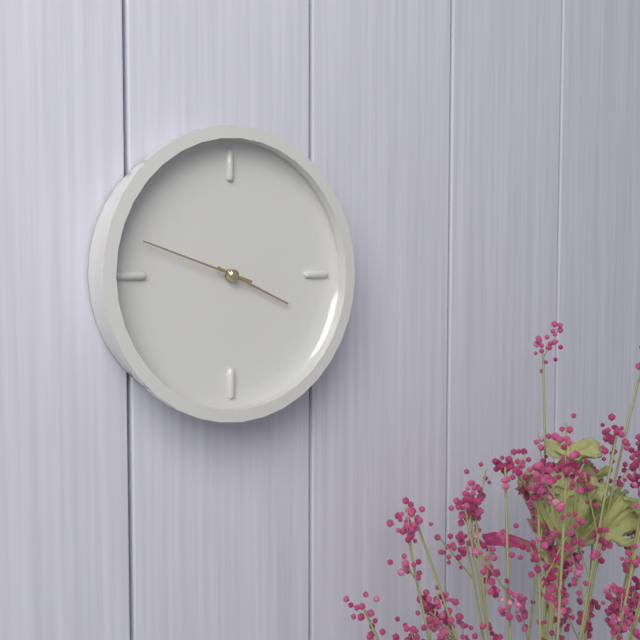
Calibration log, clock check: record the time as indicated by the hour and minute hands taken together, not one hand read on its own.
3:48
